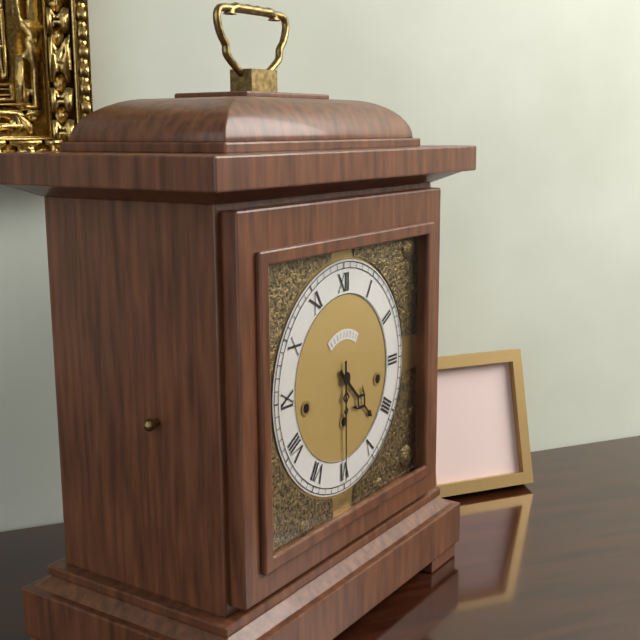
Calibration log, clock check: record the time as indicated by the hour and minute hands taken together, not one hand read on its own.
4:30
